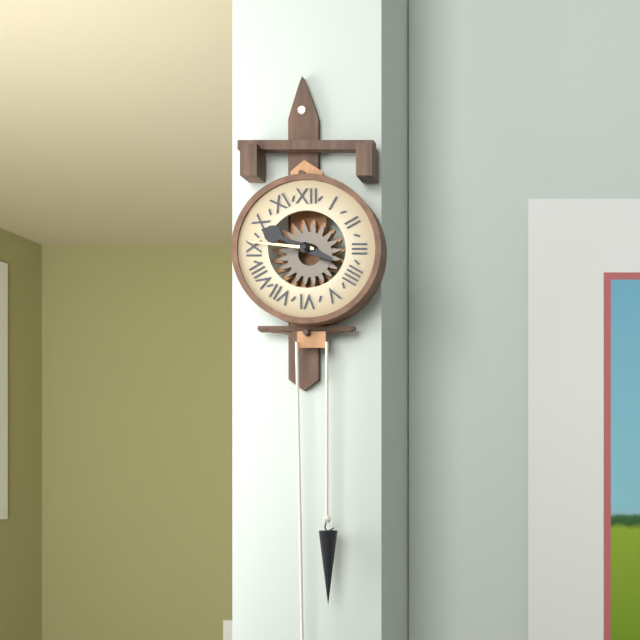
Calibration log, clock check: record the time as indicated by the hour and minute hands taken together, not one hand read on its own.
9:46
